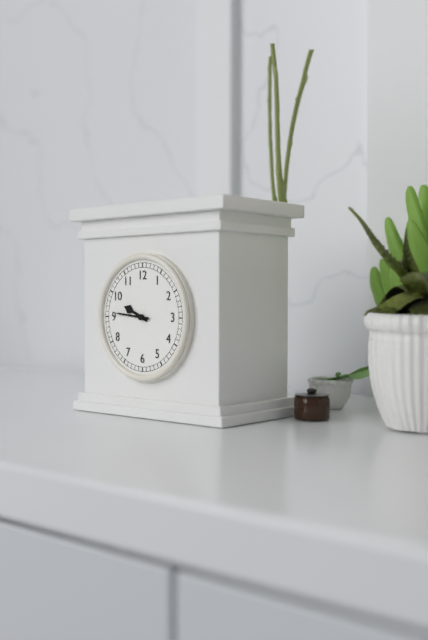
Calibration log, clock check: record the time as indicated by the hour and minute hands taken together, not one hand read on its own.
9:46
